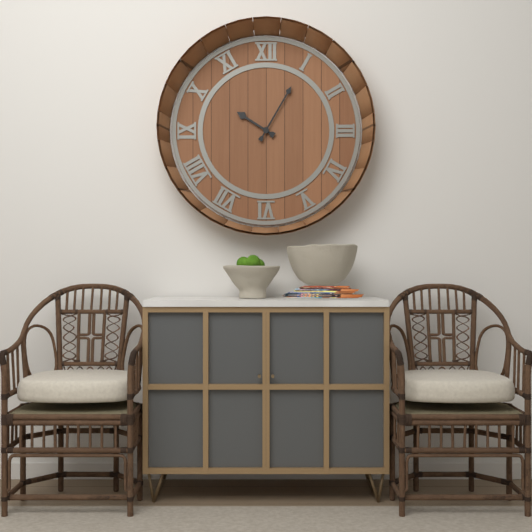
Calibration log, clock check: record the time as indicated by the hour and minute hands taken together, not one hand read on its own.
10:05
